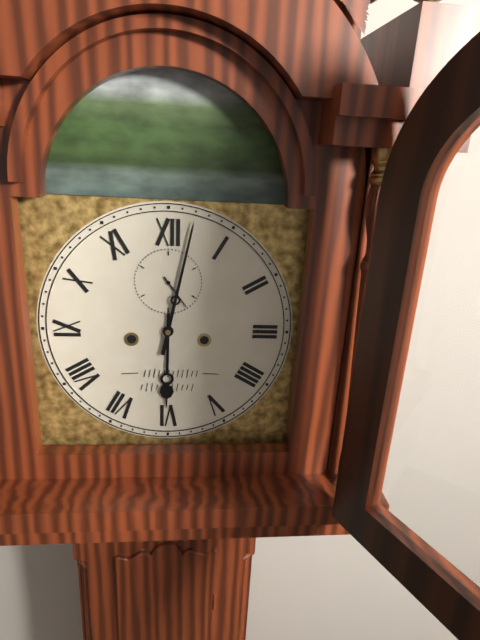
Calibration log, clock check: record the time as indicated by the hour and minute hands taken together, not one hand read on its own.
6:02
